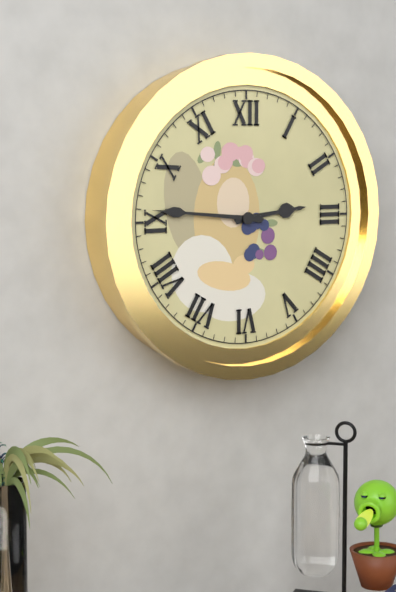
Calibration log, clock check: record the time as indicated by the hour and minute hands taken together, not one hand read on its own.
2:46
